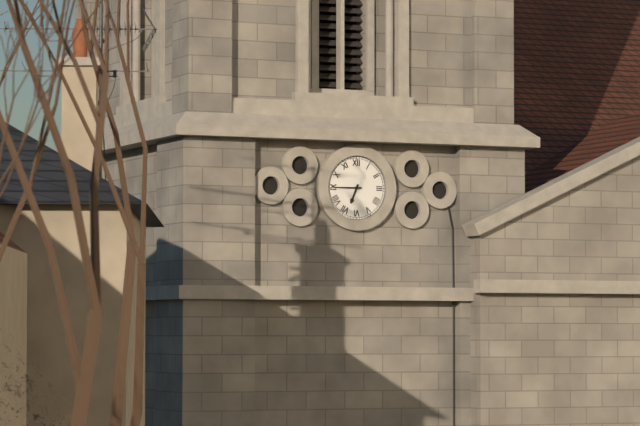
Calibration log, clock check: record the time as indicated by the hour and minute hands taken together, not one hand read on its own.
6:45
